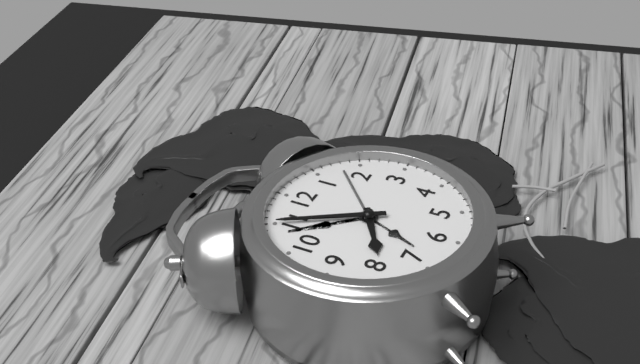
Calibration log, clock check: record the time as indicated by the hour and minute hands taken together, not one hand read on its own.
7:55
